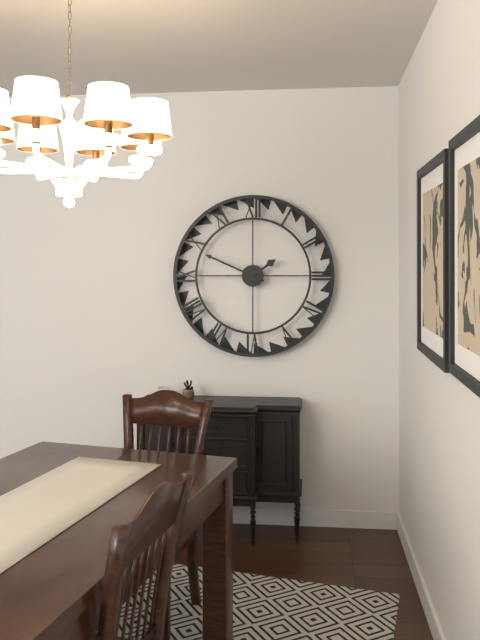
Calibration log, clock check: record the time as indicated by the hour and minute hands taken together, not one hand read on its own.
1:49
